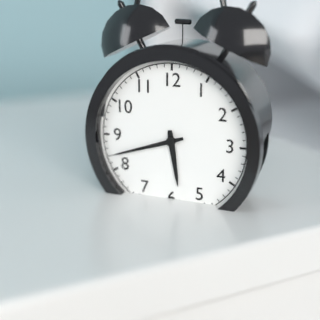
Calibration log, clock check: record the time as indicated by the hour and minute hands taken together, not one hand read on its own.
5:42
